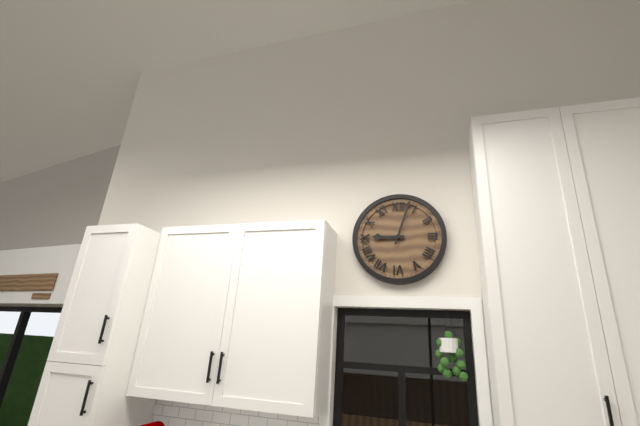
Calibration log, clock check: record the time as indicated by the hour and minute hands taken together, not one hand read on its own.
9:03
